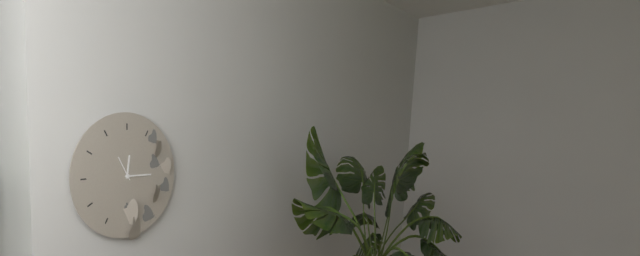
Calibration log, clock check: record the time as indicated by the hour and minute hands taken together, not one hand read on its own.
12:15
